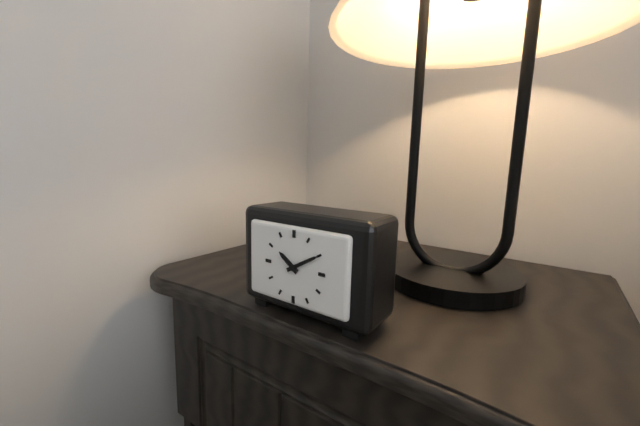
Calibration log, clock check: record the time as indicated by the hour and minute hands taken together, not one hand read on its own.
10:10
